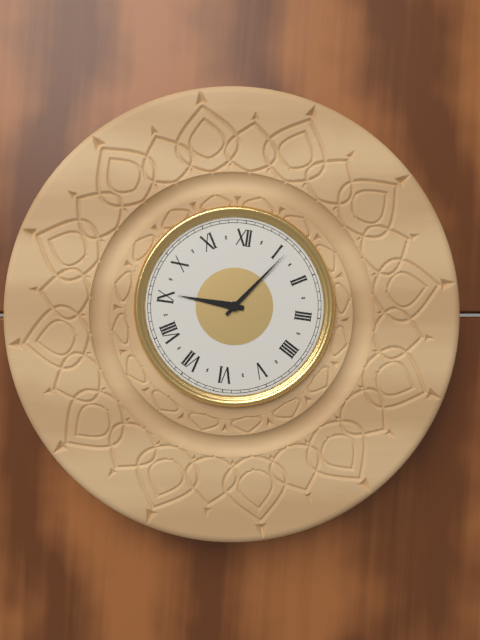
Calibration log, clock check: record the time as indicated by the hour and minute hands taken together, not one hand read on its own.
9:06
